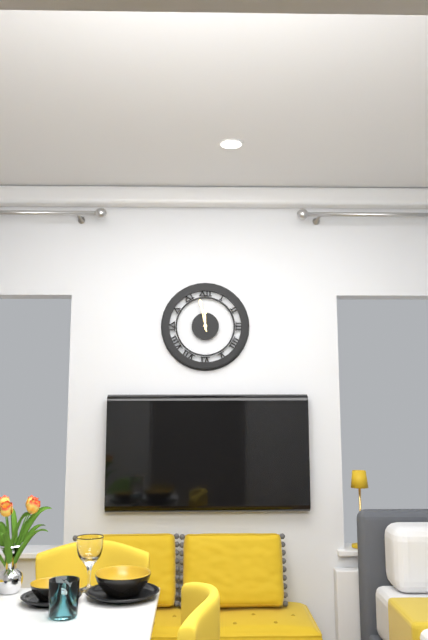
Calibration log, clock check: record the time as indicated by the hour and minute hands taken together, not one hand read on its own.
11:58
